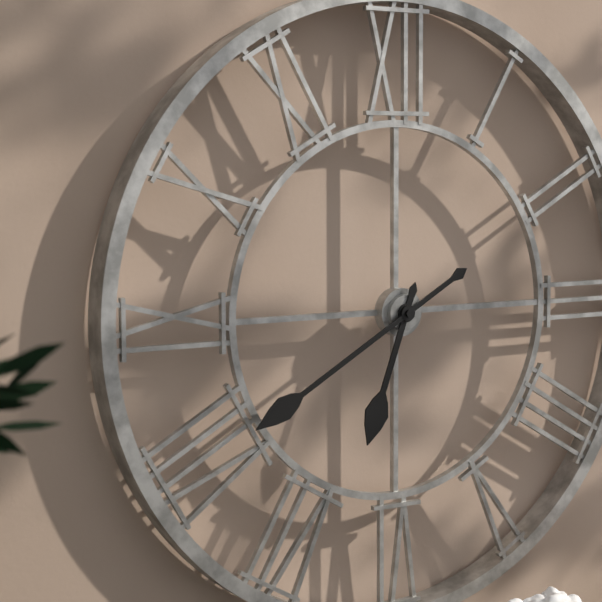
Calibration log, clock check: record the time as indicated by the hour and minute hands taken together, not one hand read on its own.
6:40
